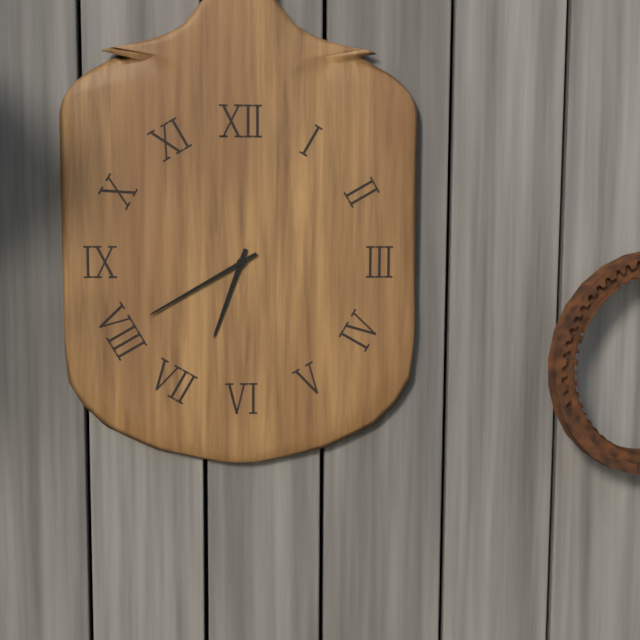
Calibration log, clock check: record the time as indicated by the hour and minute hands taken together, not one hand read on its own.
6:40
